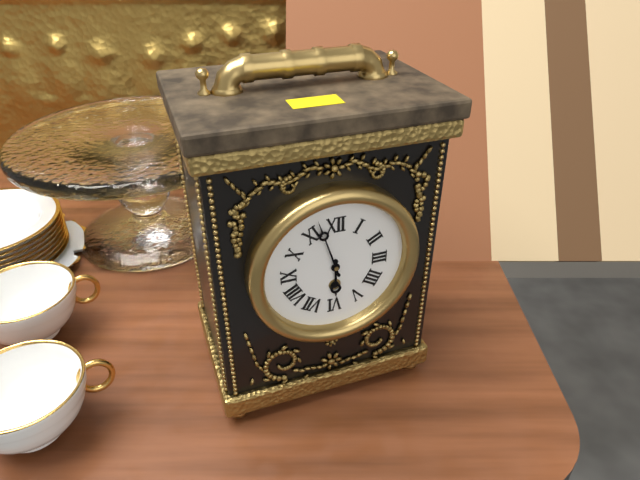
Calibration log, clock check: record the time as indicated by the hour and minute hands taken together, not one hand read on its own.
5:57
